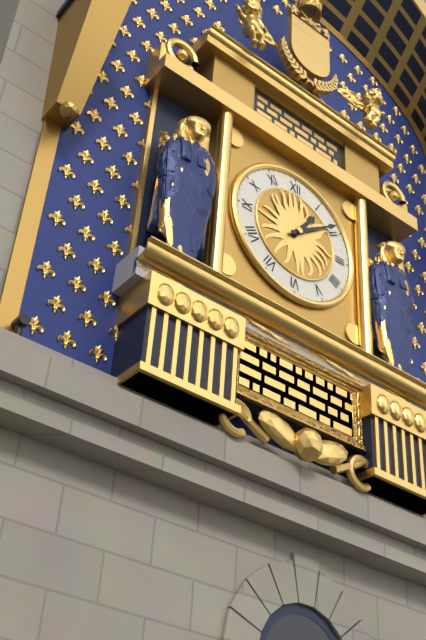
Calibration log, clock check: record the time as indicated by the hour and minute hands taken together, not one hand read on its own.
1:09
